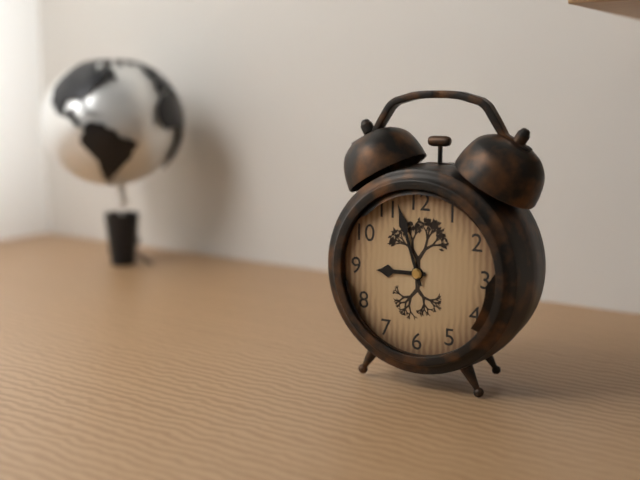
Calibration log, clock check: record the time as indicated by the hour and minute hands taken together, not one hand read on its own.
8:57
